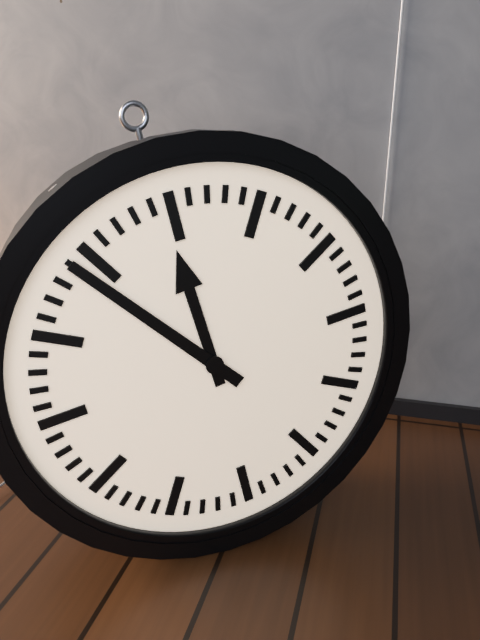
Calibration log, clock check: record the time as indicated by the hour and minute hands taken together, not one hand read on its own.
11:54
